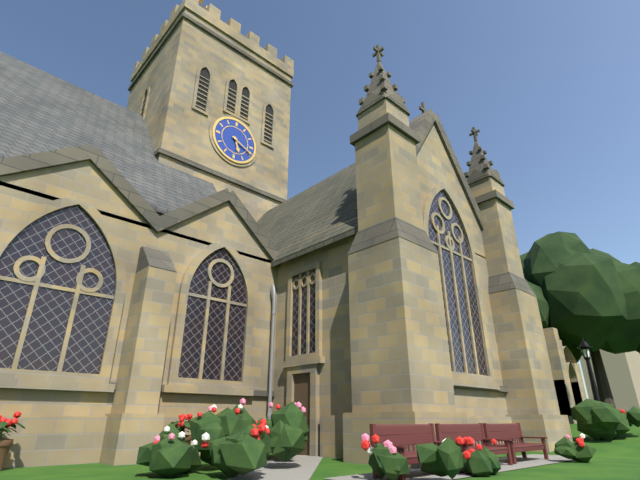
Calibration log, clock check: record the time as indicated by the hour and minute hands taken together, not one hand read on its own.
5:19
